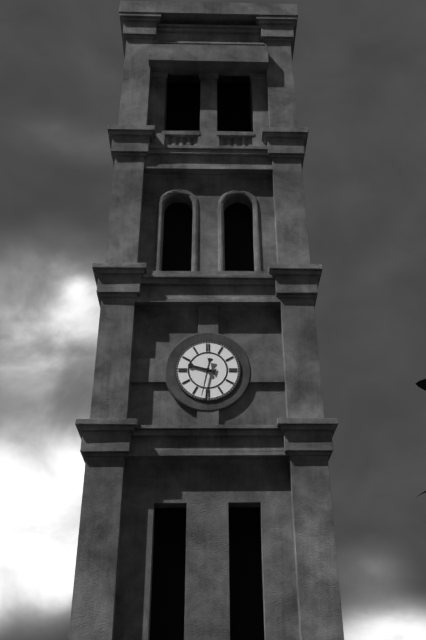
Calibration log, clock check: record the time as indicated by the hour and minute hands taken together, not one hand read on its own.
9:32
